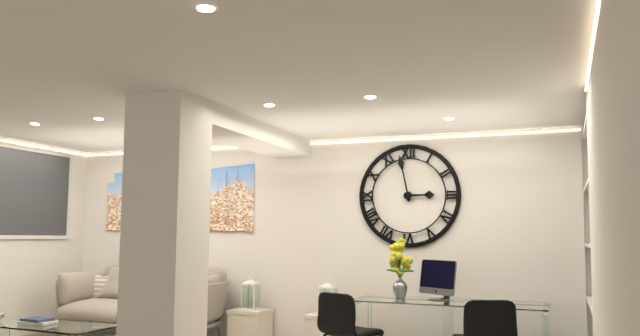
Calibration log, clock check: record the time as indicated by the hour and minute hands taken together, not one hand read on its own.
2:58
